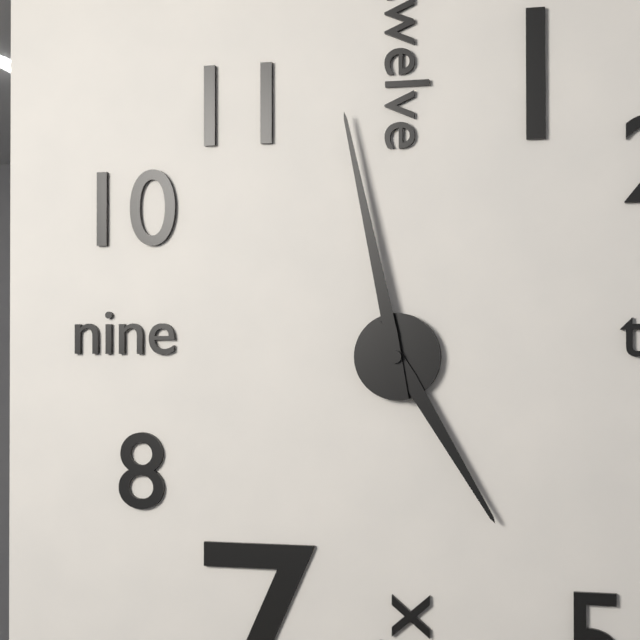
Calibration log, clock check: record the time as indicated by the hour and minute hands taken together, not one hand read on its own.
4:58
